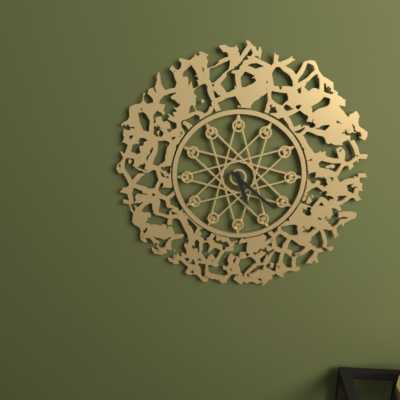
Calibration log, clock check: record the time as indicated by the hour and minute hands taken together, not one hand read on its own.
5:22
